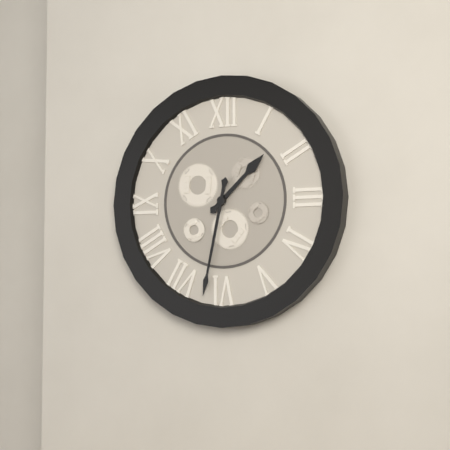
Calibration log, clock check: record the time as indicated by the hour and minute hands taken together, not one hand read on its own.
1:32
